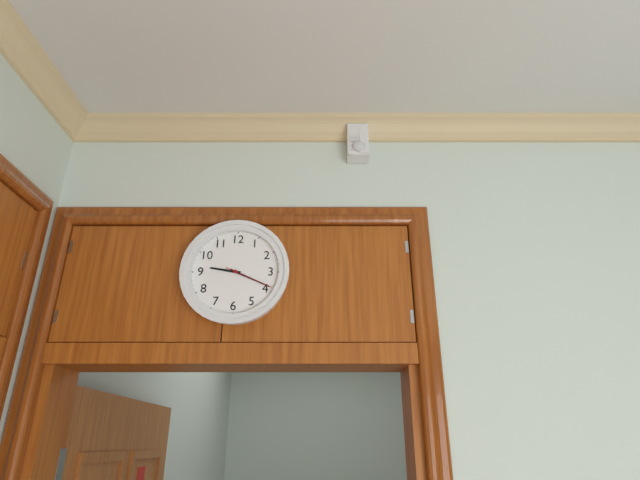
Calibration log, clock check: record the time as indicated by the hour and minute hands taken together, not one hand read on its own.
9:19
